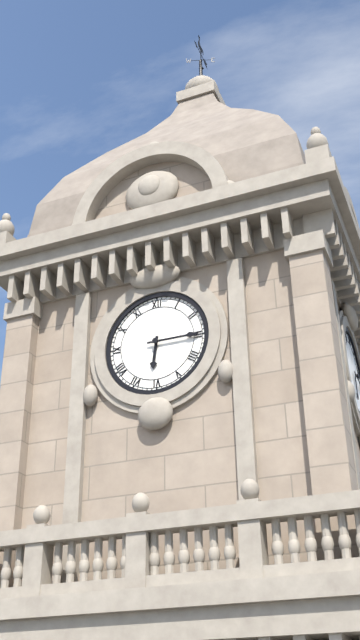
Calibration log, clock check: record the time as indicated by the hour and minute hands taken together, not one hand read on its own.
6:15
